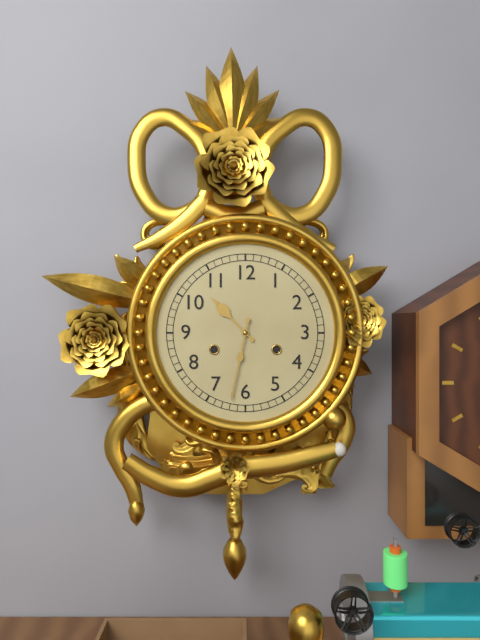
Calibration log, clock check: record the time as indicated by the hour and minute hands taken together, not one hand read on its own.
10:32
